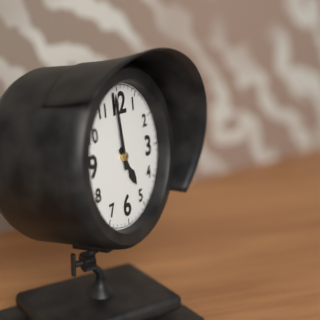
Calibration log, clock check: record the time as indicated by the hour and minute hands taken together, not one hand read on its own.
4:59
